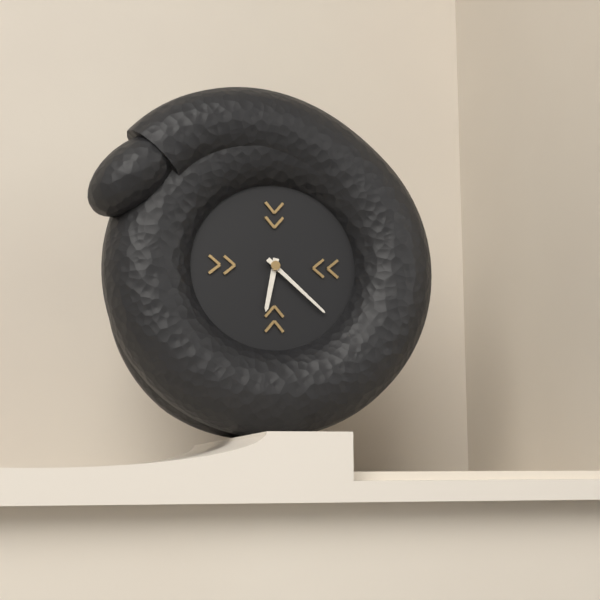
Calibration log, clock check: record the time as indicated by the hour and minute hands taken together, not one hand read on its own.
6:22
